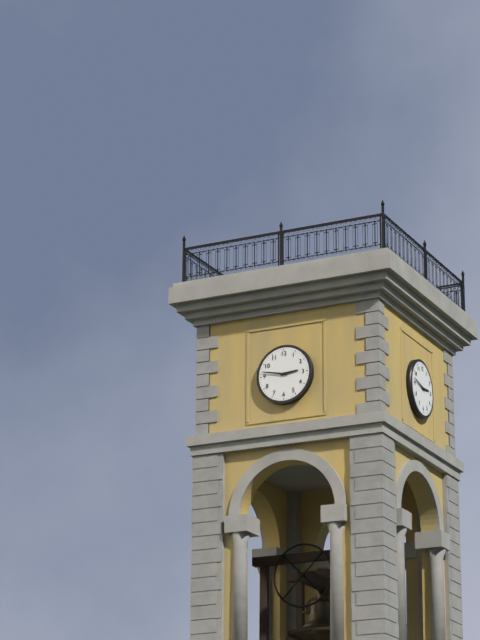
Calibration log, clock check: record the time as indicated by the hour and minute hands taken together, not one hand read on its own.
2:47
